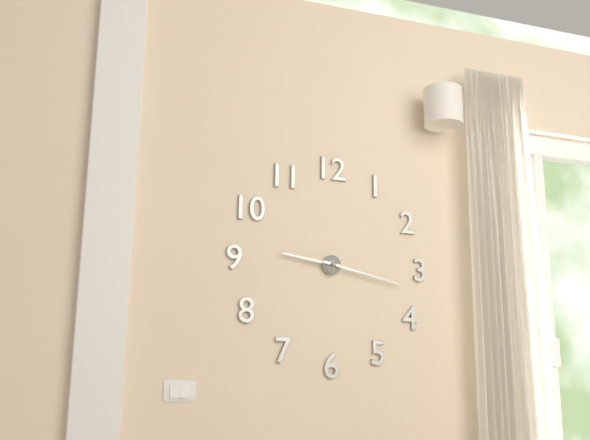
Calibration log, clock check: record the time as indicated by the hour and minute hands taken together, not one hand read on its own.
9:17
